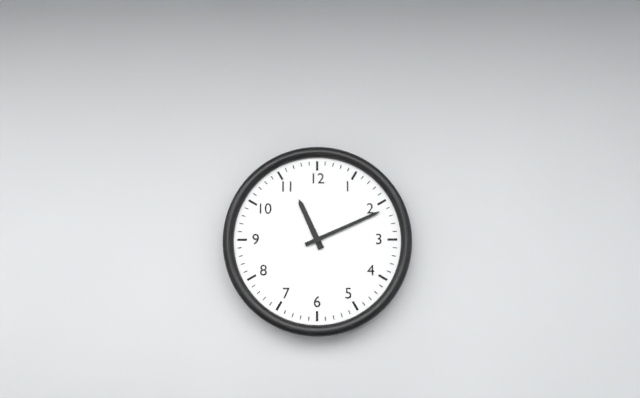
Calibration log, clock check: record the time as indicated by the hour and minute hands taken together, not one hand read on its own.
11:11
